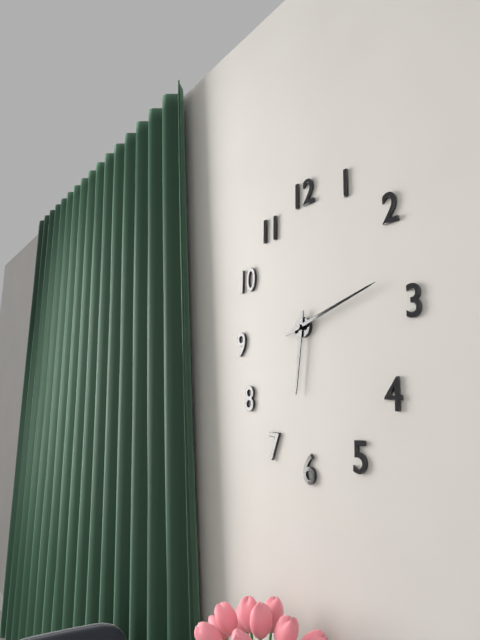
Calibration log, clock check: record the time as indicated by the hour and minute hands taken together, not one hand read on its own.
6:12
